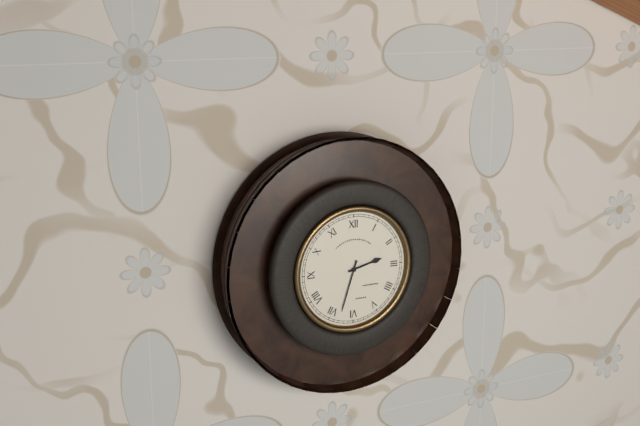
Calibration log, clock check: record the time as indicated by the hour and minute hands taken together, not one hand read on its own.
2:33
